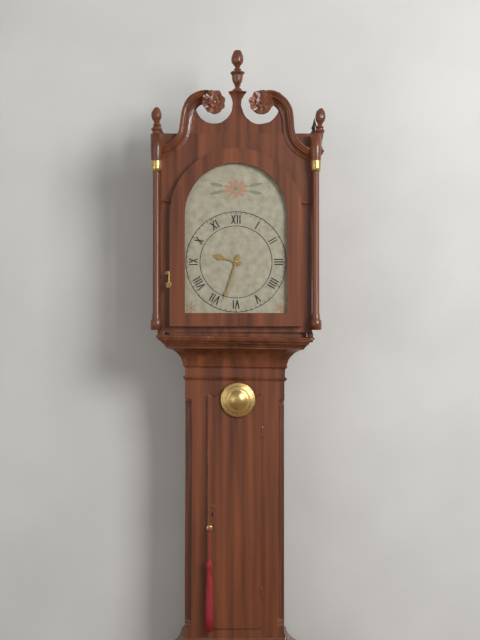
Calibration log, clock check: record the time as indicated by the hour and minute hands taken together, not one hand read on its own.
9:33
